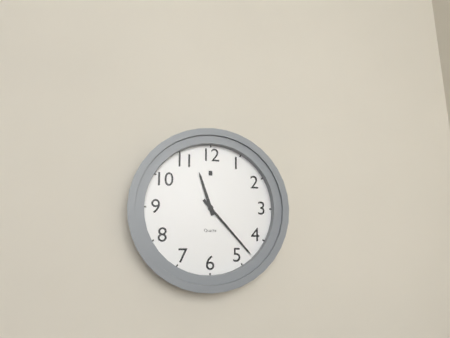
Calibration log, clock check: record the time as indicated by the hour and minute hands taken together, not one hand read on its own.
11:23
